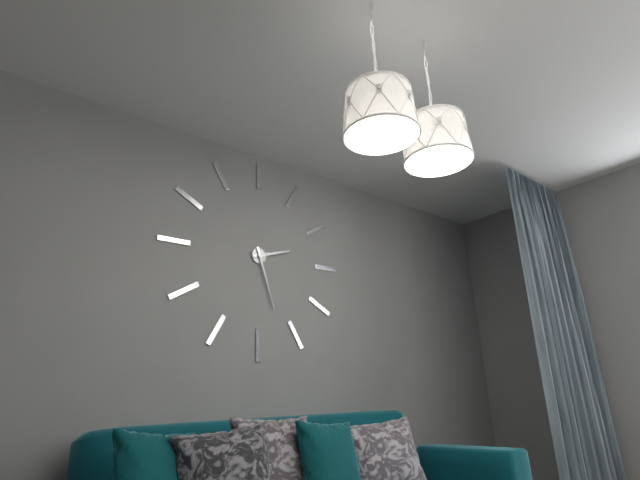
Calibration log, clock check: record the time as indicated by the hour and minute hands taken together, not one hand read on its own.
2:27
